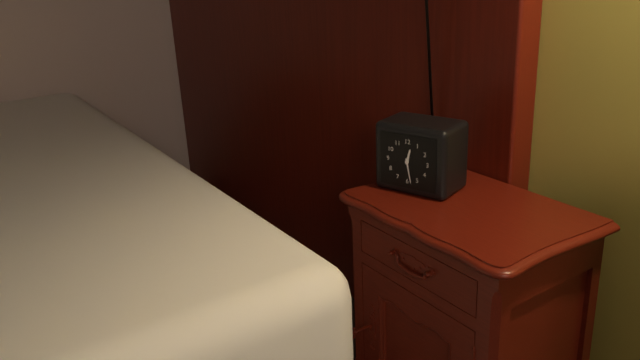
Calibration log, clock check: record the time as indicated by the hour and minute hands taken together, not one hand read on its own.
12:28
